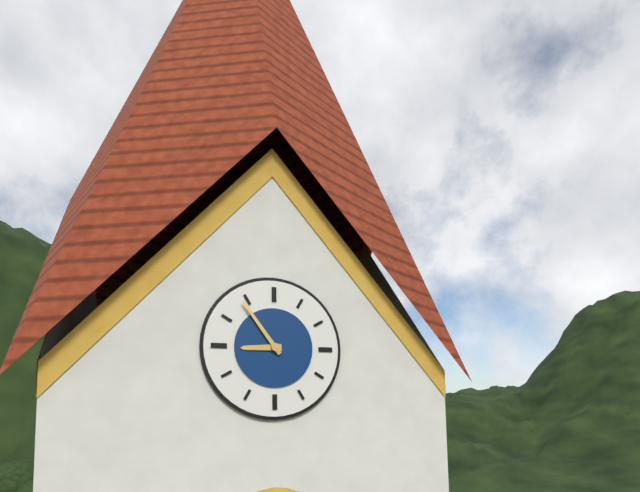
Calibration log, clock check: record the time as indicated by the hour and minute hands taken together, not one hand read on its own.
8:54
